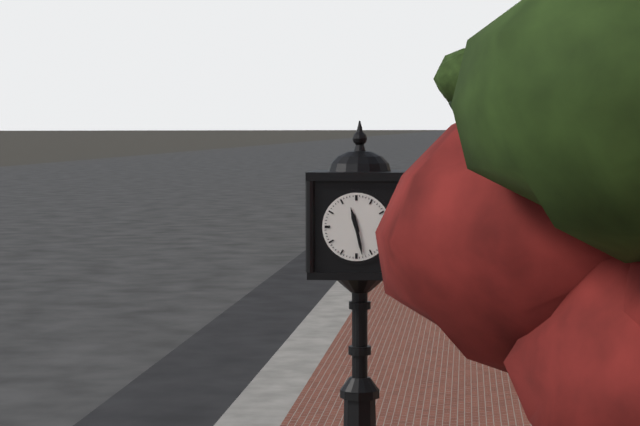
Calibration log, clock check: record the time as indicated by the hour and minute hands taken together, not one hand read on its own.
11:28
